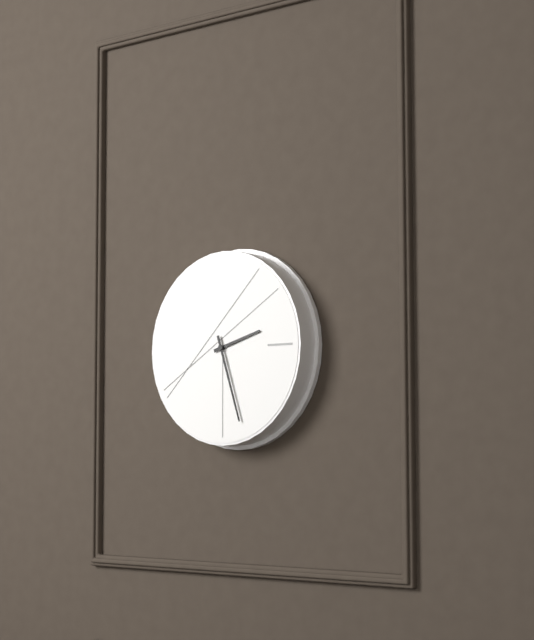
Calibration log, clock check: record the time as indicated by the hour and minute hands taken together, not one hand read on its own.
2:27
